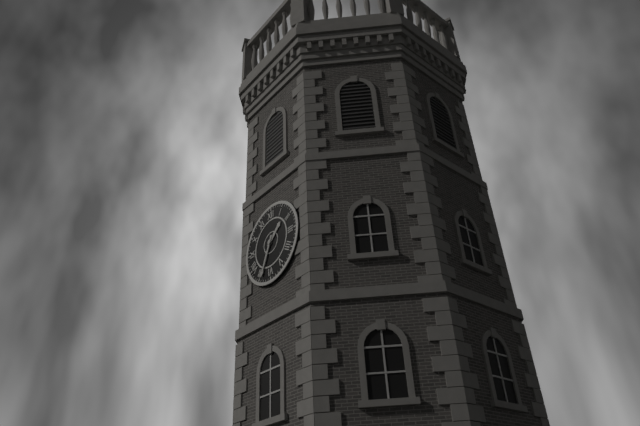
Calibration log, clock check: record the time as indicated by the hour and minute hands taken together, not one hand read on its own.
1:34
